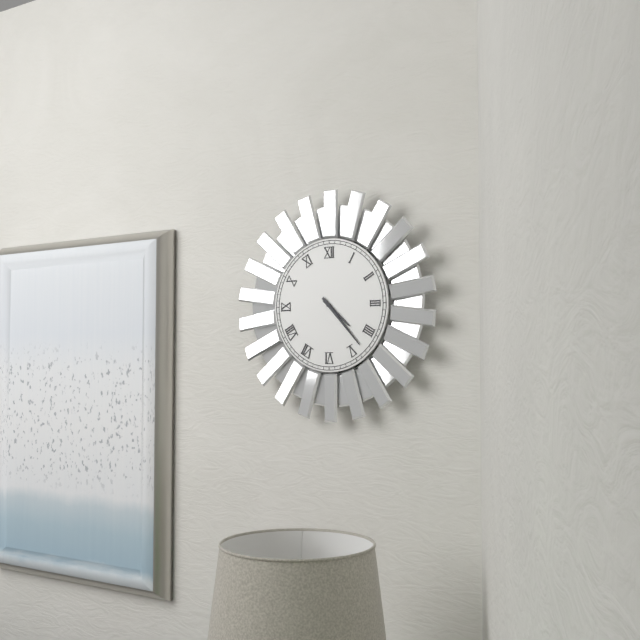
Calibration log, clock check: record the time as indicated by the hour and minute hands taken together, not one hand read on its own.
4:23
